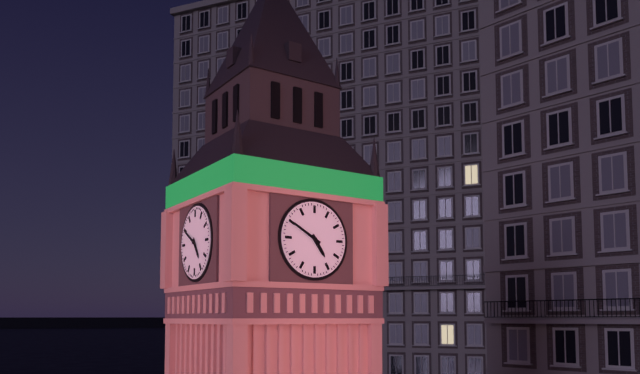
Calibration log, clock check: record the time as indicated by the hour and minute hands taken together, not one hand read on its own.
4:50
